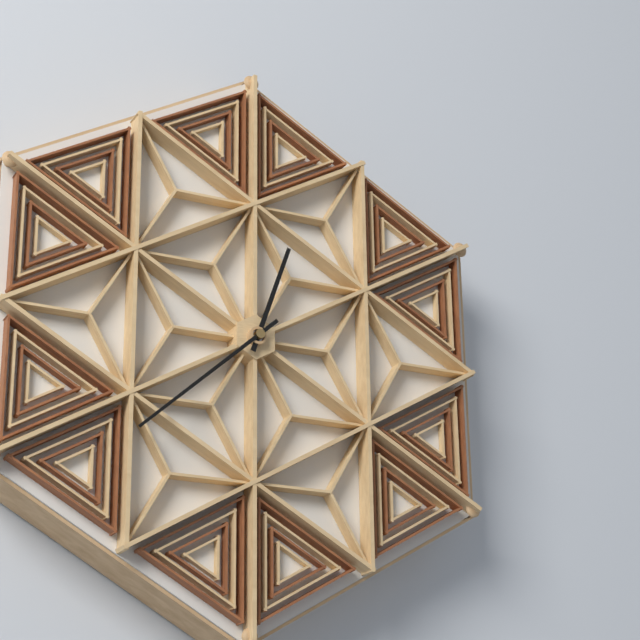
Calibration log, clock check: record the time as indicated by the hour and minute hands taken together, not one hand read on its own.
12:38
